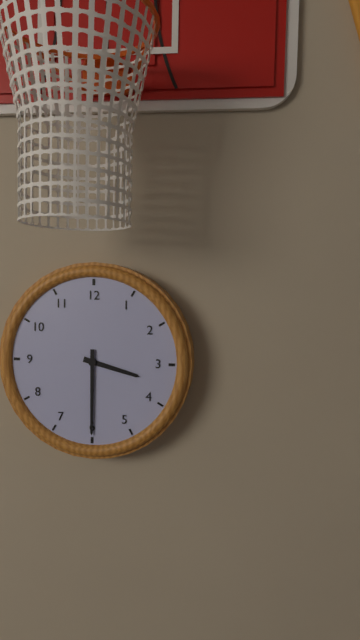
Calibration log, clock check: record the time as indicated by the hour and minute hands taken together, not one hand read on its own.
3:30
